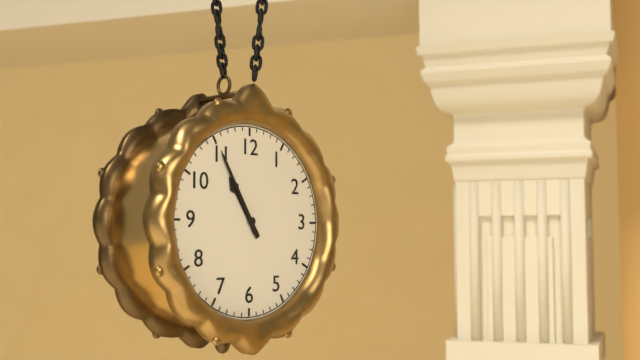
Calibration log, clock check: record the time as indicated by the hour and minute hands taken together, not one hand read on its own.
10:55
